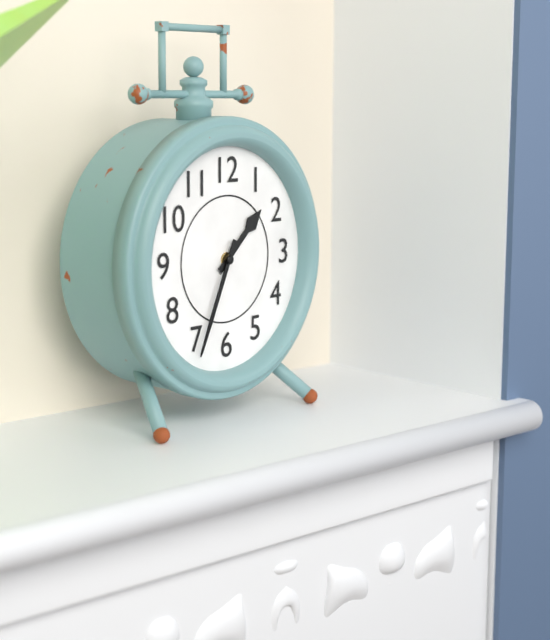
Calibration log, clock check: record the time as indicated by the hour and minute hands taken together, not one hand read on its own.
1:34
